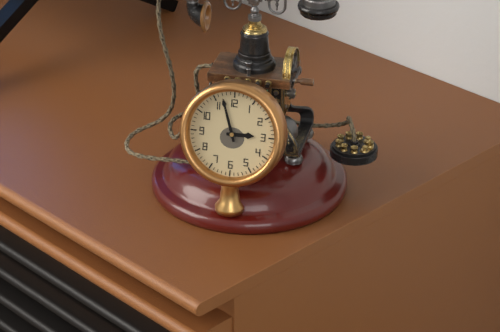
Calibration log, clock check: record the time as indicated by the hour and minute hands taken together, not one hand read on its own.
2:57
